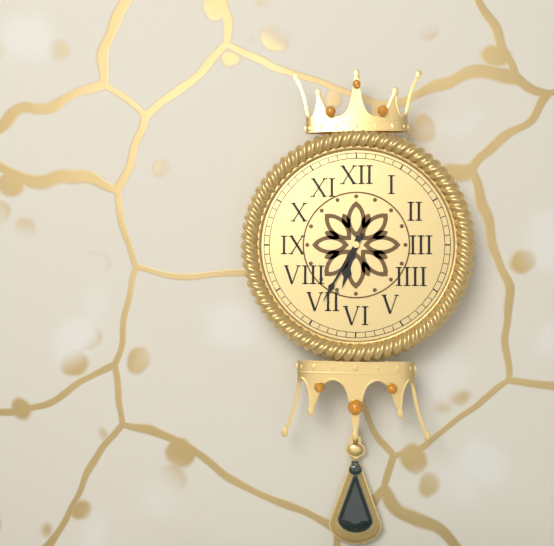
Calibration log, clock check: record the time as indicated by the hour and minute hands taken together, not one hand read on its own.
6:35
